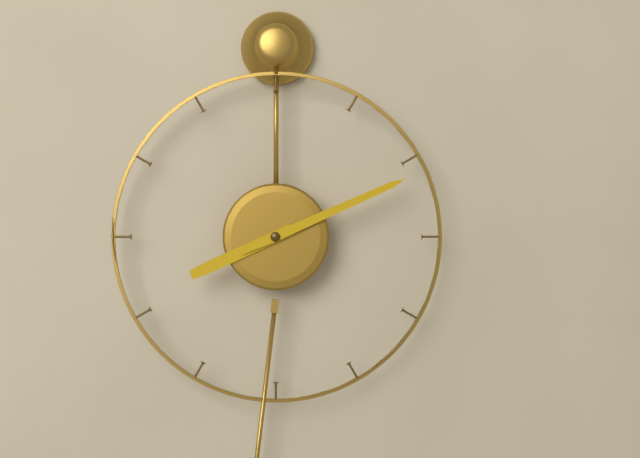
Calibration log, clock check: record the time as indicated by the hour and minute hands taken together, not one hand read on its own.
8:11
